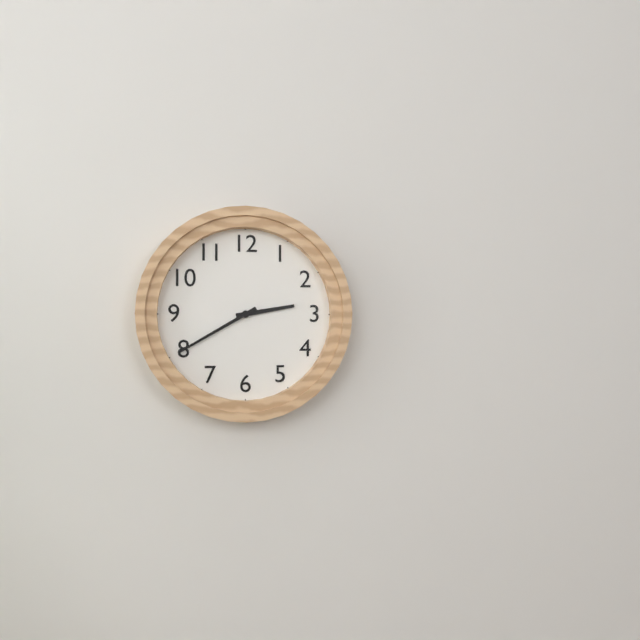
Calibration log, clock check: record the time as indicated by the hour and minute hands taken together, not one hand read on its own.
2:40
